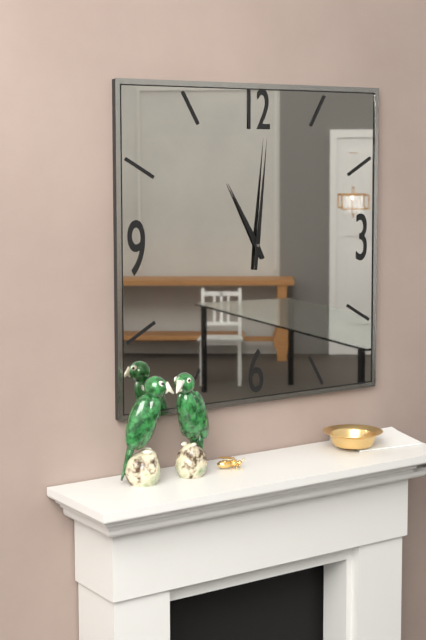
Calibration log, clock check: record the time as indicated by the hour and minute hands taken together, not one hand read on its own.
11:01
